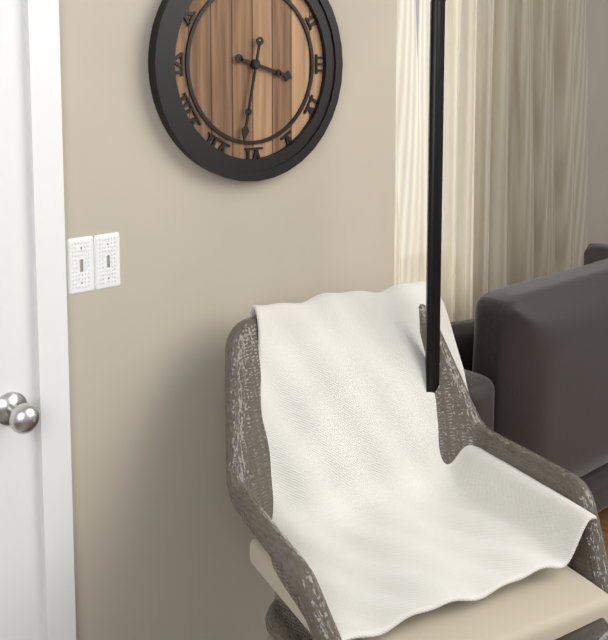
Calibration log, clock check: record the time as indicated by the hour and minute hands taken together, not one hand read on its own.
3:32
